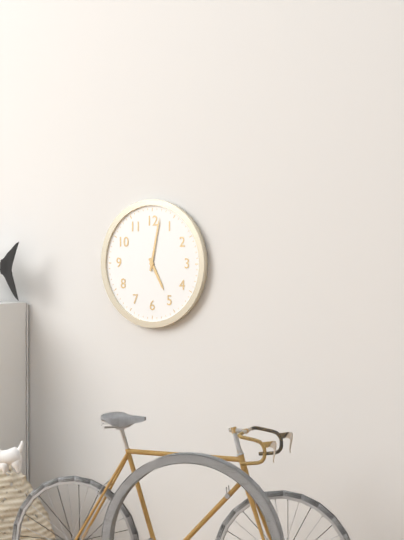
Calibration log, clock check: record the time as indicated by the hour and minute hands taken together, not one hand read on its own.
5:02
